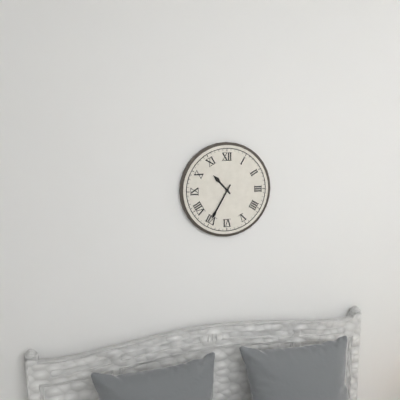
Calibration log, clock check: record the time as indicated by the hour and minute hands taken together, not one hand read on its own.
10:35
